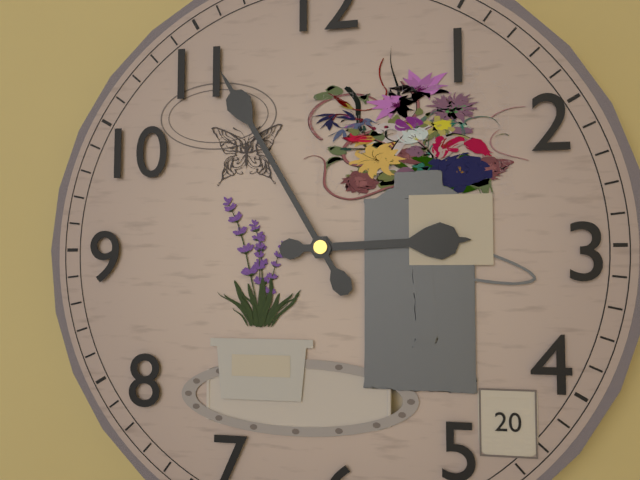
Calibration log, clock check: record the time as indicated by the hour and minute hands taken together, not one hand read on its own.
2:55
